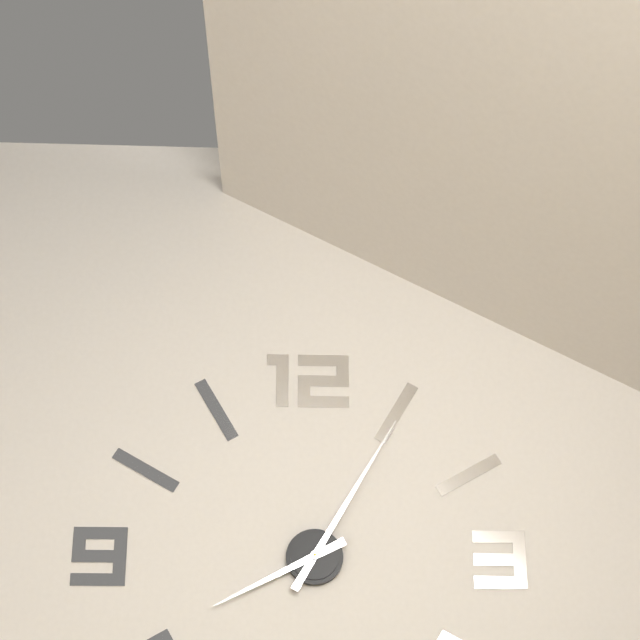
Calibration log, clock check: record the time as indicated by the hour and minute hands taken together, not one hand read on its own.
8:05
